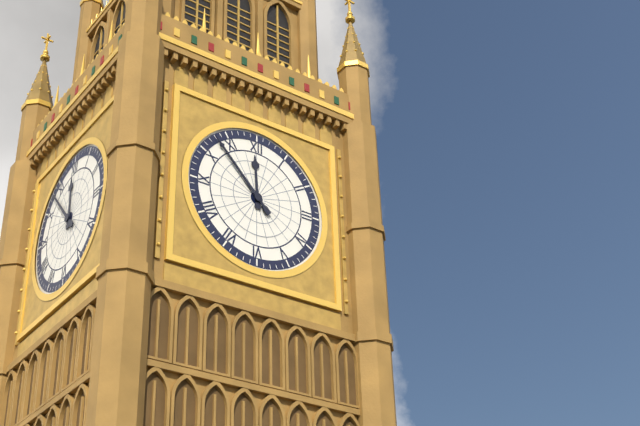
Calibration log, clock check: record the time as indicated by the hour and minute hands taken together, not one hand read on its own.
11:53
